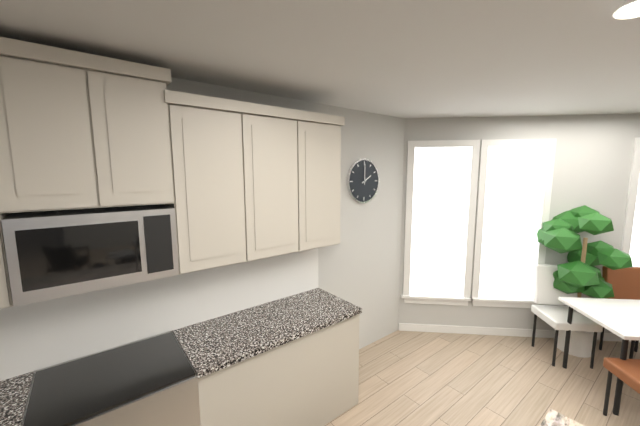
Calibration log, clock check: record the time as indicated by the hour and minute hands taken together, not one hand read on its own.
2:00
